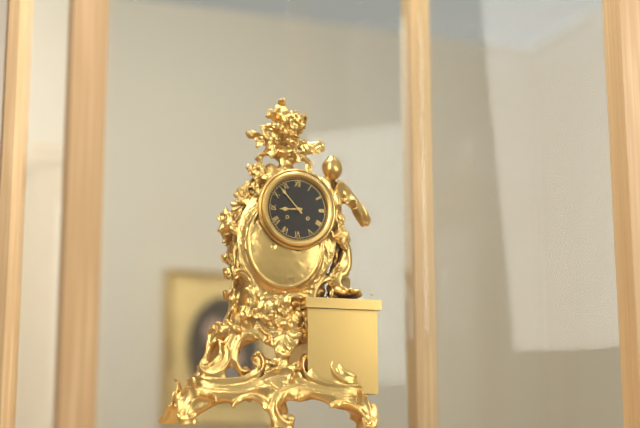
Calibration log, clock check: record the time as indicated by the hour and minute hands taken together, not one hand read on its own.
8:53
